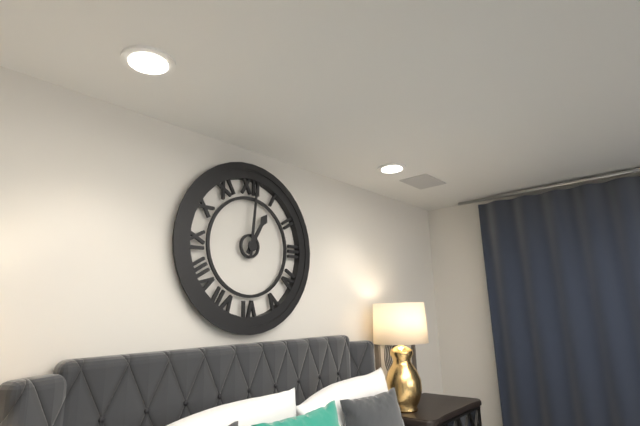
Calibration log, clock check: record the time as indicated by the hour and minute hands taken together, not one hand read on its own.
1:01
